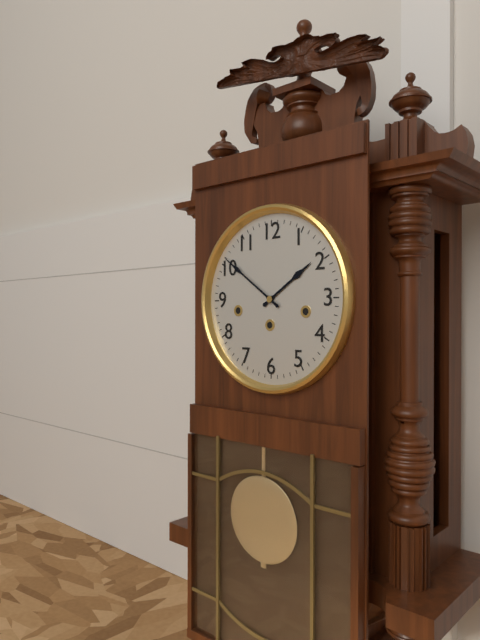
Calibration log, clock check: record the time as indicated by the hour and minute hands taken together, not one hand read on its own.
1:51
